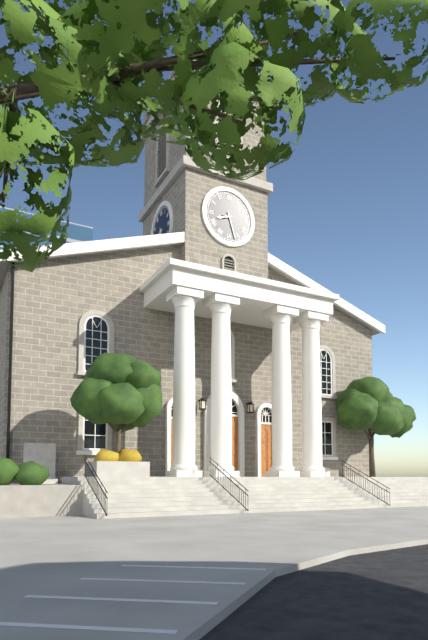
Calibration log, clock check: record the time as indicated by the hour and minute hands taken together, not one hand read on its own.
8:27
